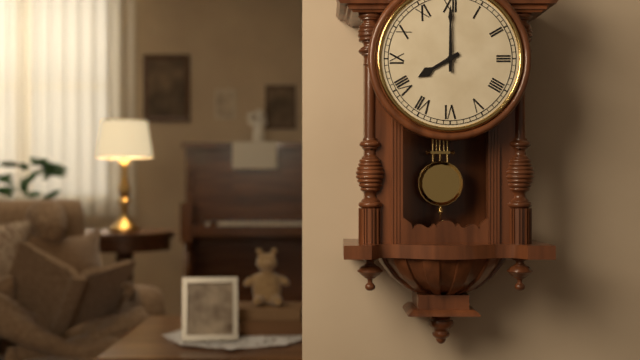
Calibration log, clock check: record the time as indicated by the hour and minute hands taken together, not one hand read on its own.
8:00
